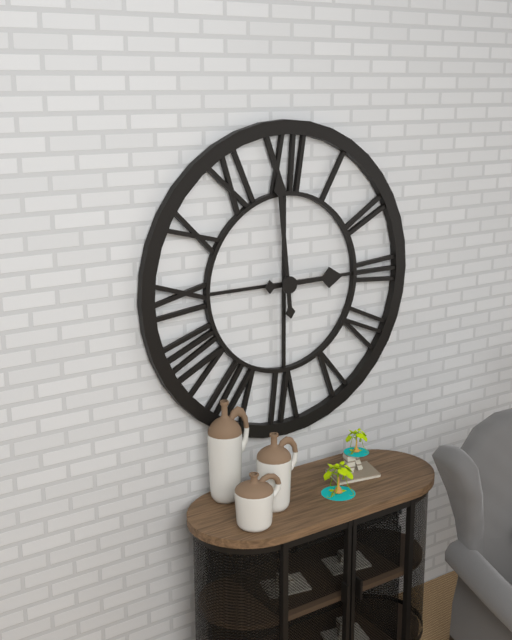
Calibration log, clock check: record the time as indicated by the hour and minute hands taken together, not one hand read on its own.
2:59
